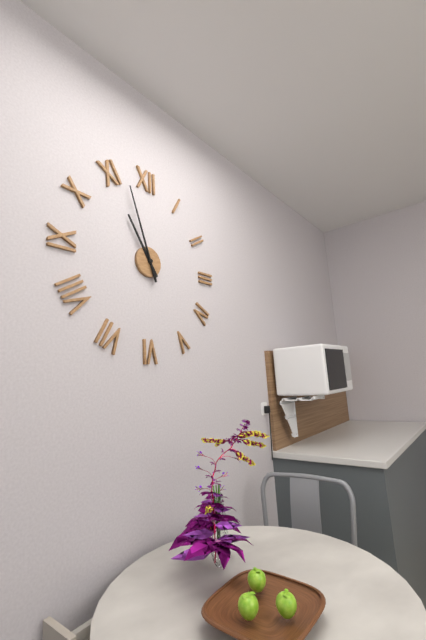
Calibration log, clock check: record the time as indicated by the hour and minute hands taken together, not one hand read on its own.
10:57
